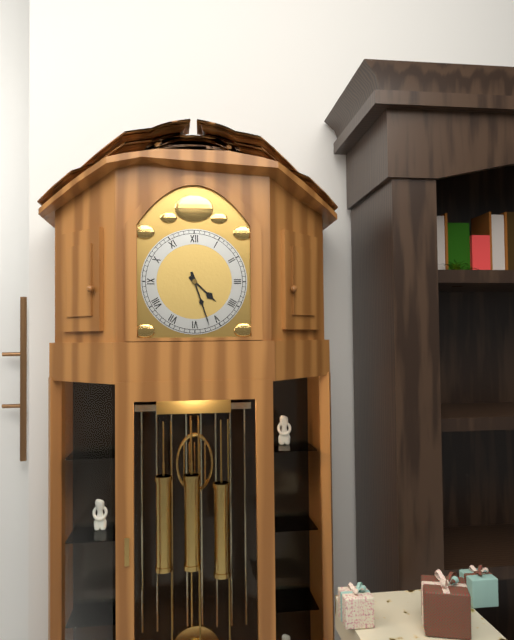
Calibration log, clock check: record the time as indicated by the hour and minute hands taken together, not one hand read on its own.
4:27
